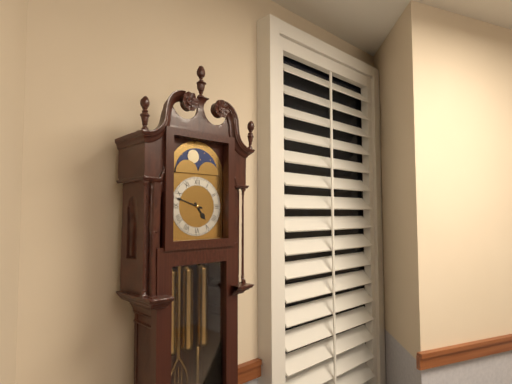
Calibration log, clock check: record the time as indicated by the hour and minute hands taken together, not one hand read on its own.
4:48
